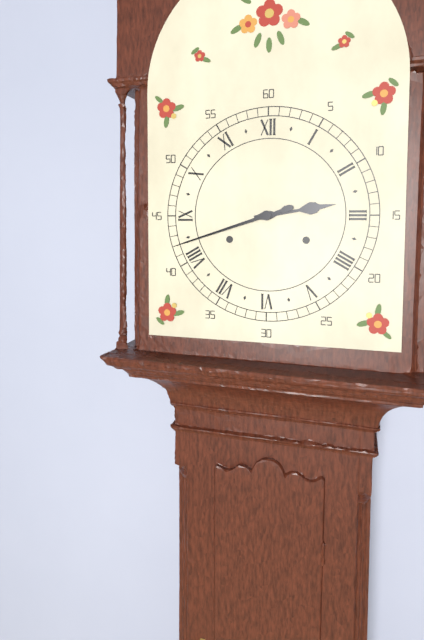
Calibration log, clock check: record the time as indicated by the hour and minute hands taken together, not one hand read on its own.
2:42
